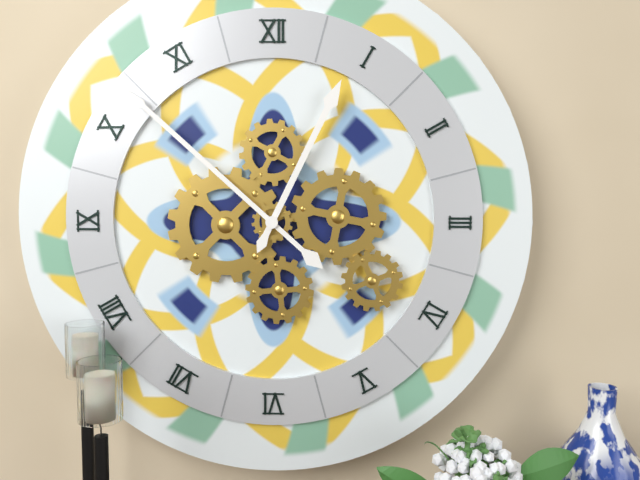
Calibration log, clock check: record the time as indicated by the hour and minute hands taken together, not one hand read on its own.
12:52
